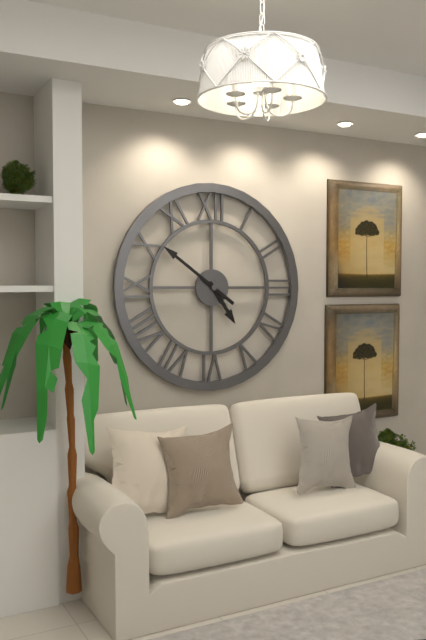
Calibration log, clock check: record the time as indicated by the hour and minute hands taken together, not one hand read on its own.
4:51
